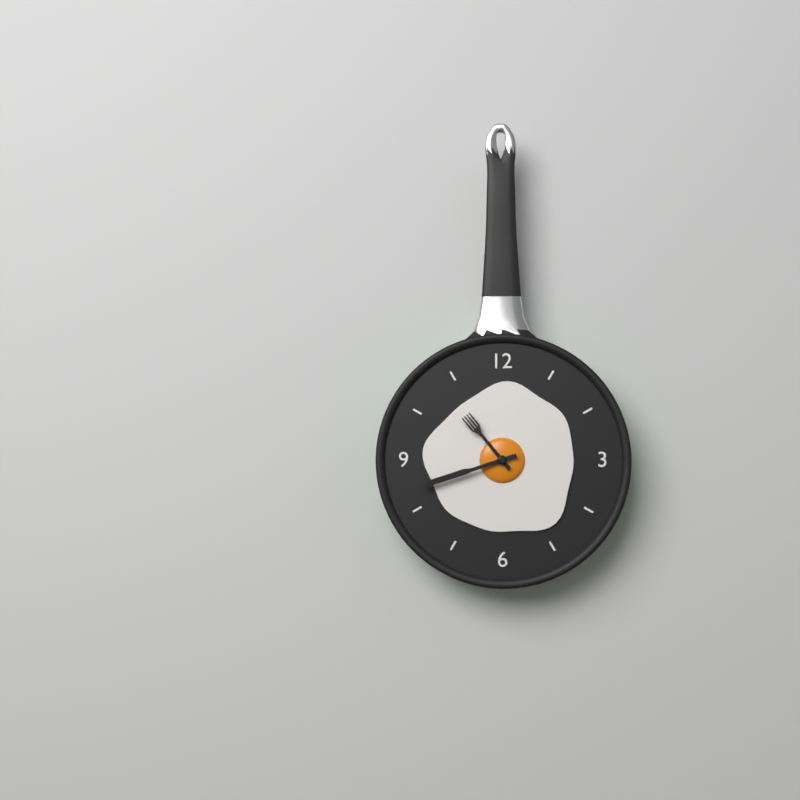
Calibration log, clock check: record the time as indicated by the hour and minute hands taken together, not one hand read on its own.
10:42
